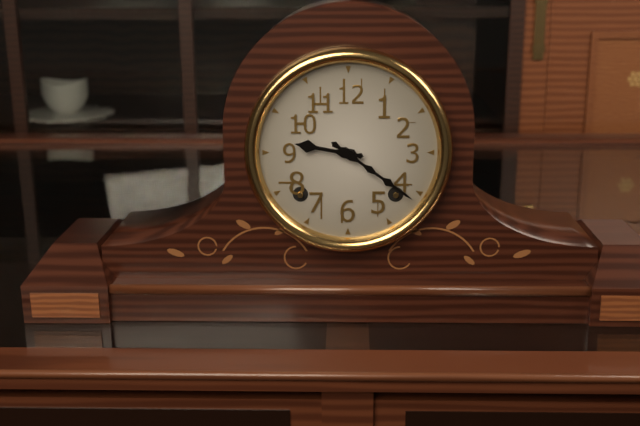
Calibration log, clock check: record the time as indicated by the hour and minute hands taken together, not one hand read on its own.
9:21
